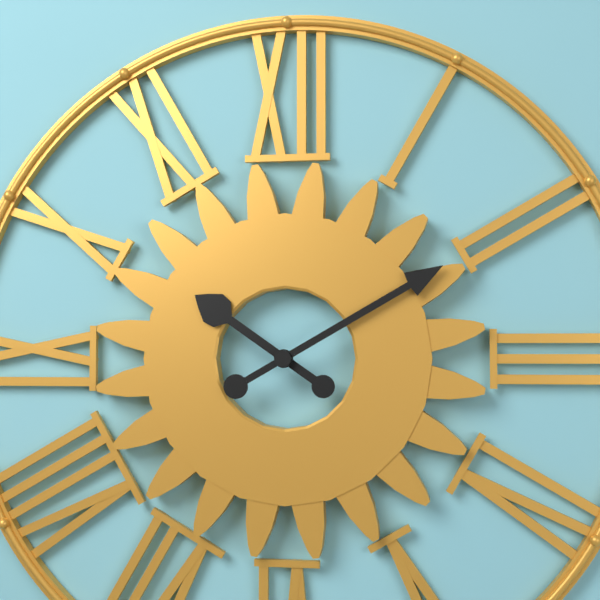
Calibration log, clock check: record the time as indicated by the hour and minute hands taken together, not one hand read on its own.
10:10
